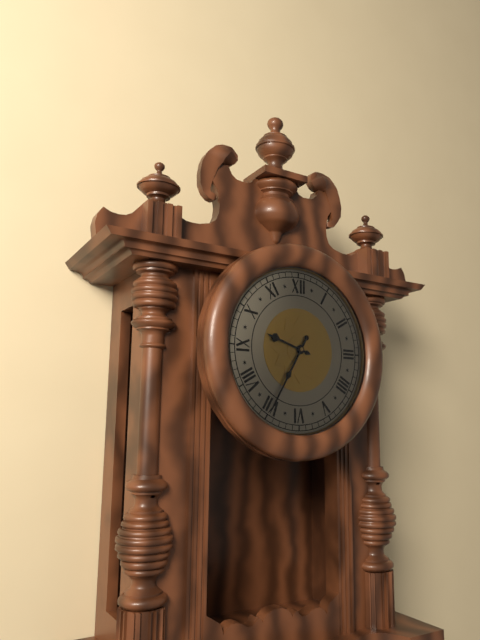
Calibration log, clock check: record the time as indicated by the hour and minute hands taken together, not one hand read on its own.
9:35
